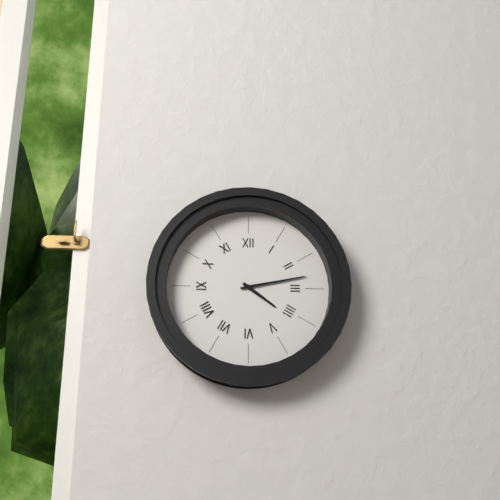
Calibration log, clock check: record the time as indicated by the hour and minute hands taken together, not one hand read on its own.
4:13
